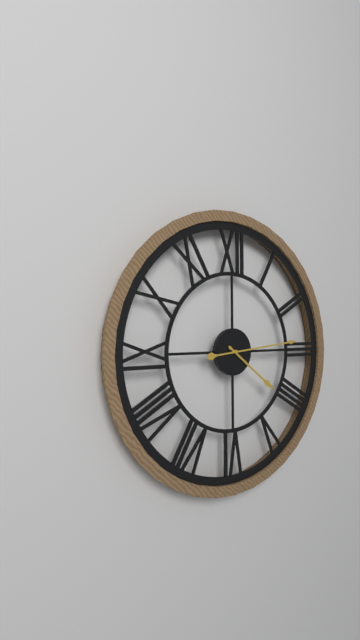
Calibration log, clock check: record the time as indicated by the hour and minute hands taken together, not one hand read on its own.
4:14
